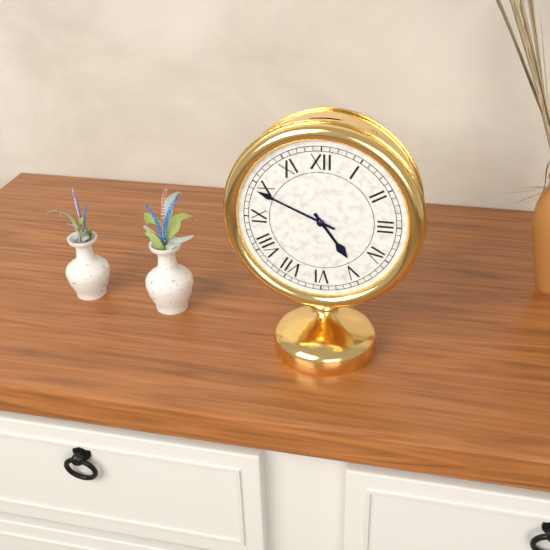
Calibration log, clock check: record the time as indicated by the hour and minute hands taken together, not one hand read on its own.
4:49
